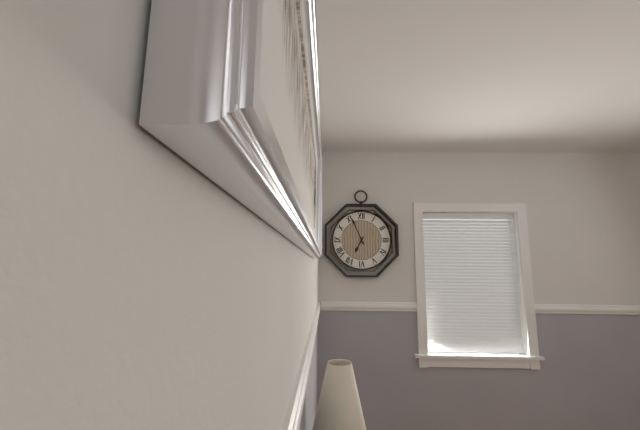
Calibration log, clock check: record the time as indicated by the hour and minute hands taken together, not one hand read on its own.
6:56
